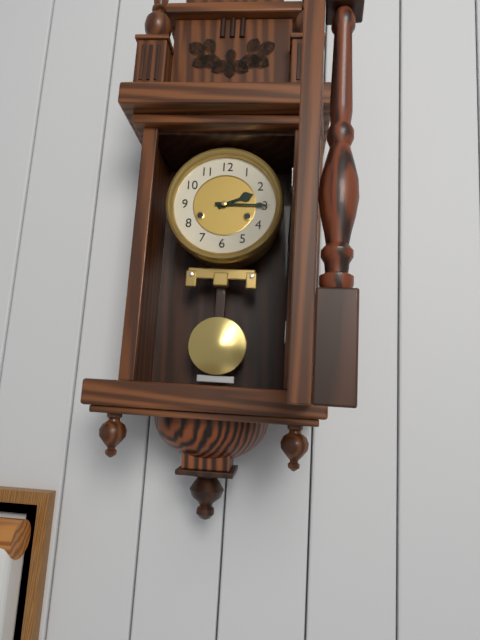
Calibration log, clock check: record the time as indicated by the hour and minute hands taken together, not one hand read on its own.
2:15
